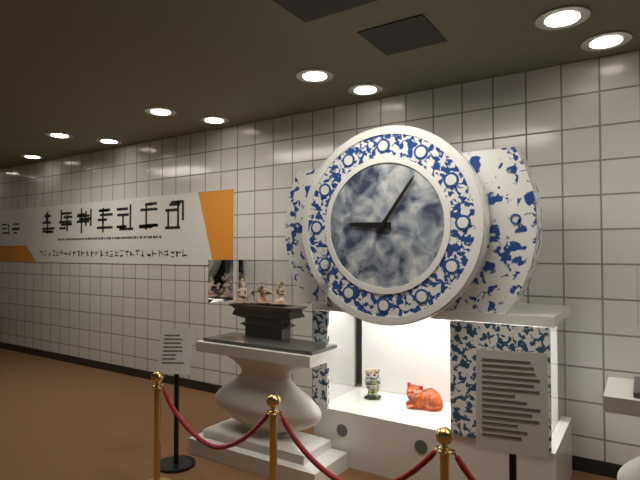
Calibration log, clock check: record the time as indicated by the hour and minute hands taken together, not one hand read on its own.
9:06
